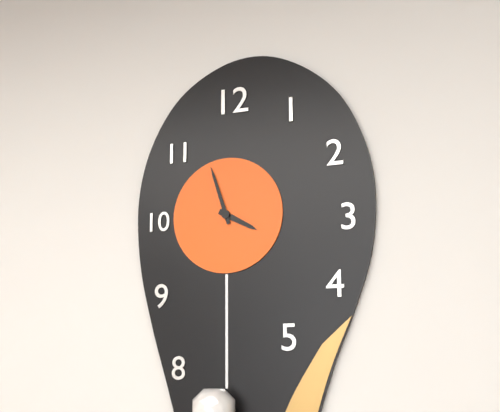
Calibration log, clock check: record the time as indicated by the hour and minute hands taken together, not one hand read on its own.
3:57
